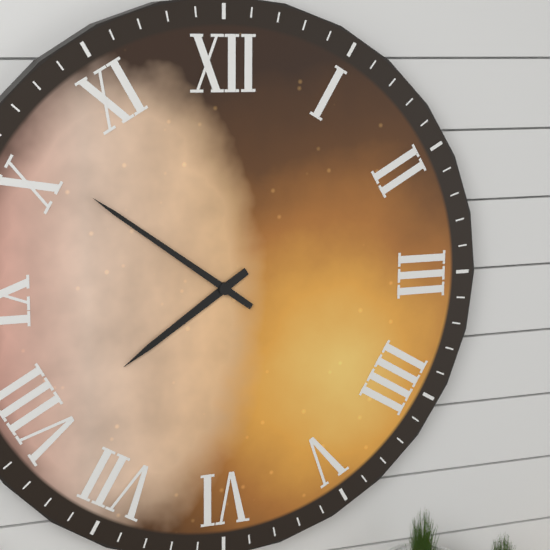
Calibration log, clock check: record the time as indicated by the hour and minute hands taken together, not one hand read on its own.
7:51
